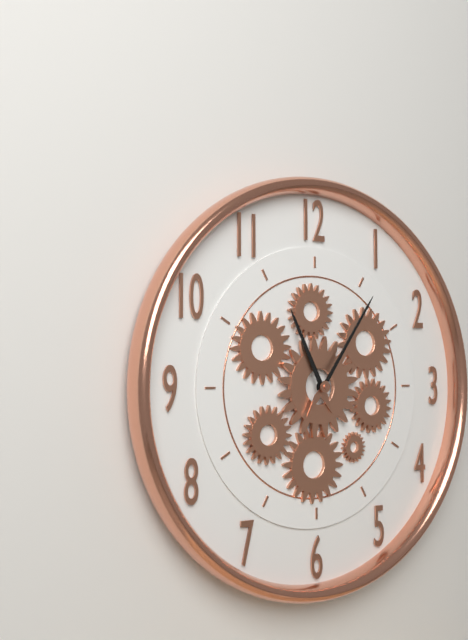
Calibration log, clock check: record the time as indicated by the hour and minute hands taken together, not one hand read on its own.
11:06
